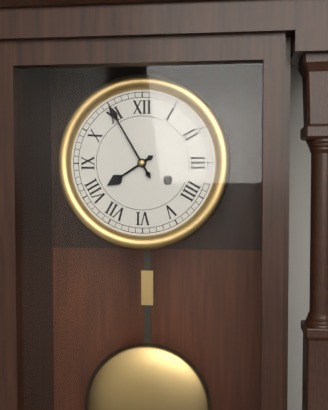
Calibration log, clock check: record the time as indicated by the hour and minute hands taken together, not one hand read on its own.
7:55
